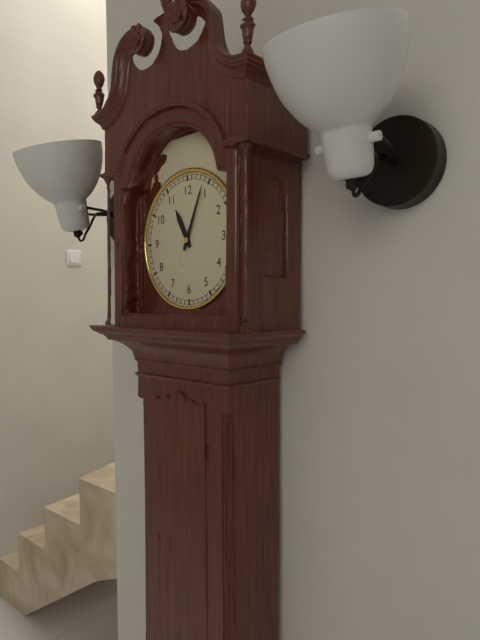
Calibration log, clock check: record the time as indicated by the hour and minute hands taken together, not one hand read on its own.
11:04
